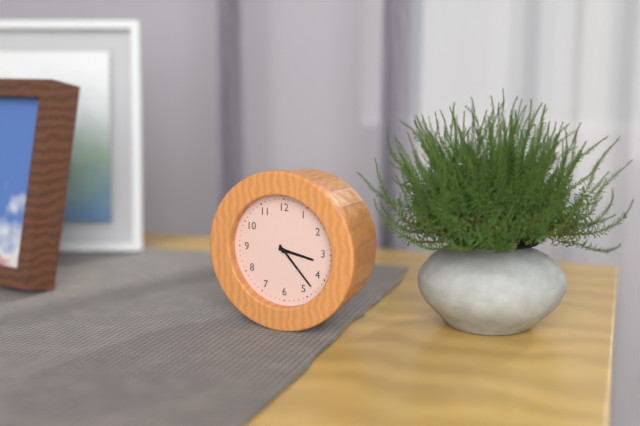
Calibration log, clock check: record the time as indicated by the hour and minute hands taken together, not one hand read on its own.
3:23
